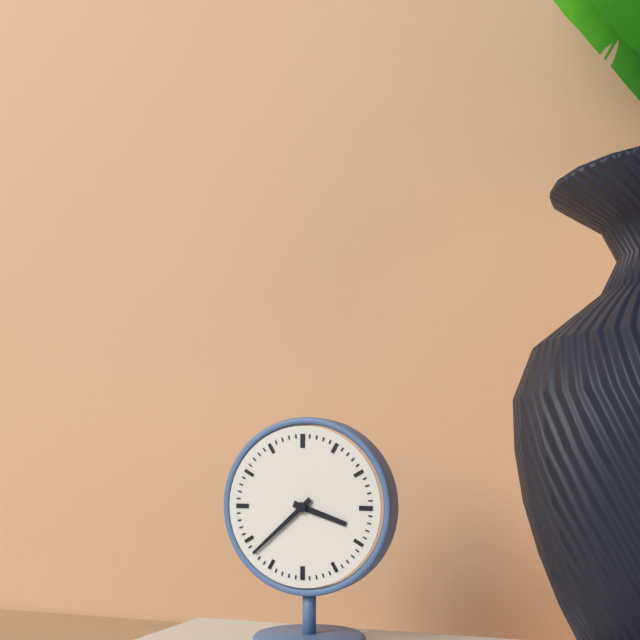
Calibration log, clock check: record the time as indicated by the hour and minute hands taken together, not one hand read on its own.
3:38
